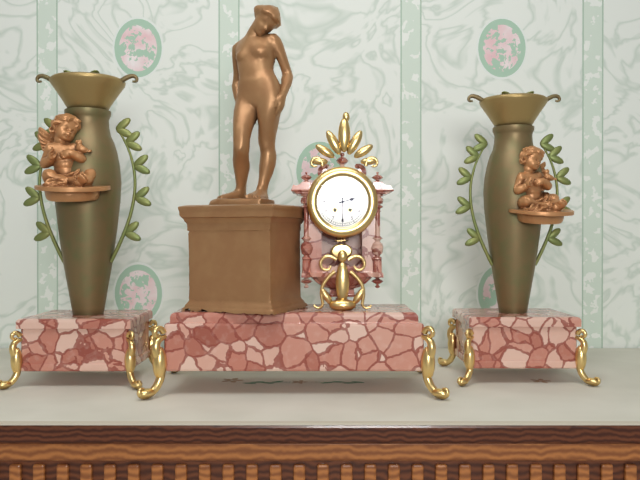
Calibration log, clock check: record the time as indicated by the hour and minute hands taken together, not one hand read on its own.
2:30
